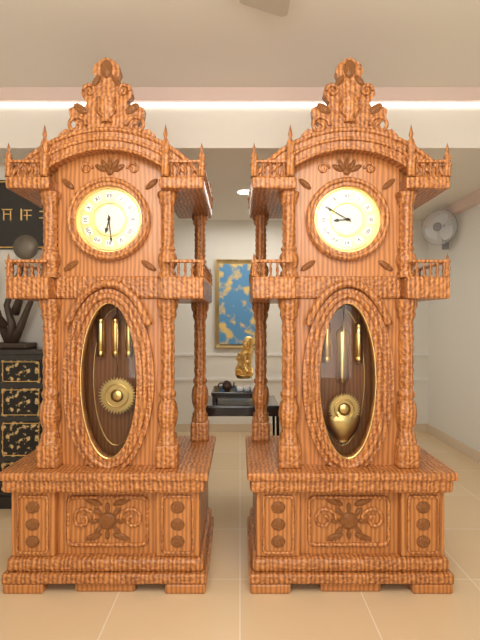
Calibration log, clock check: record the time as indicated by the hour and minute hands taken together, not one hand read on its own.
6:29
